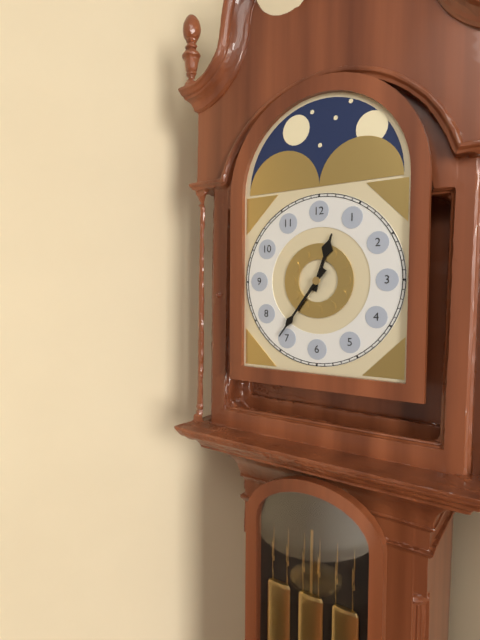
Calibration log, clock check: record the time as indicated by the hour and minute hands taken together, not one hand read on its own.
12:36
